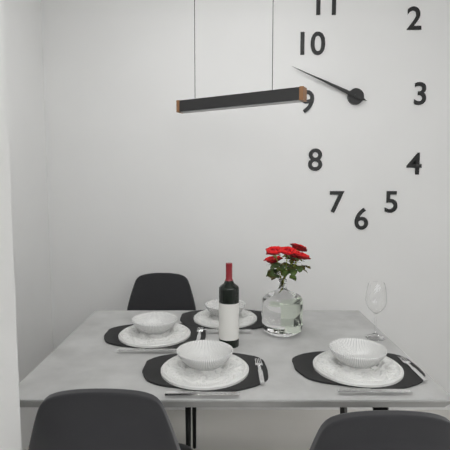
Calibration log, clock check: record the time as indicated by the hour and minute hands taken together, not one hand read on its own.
9:49
